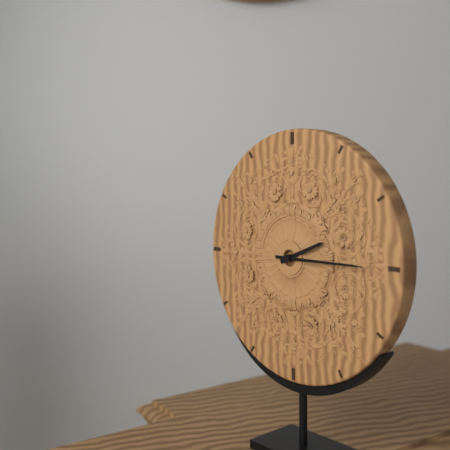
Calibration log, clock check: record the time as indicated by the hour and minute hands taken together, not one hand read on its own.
2:15
